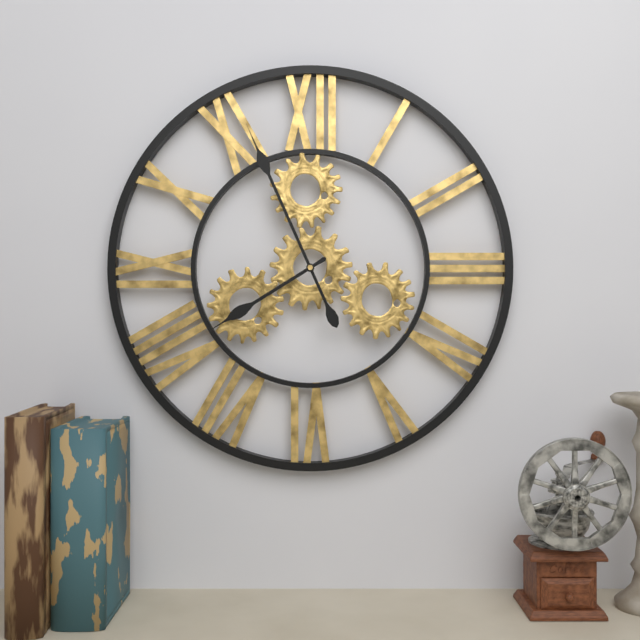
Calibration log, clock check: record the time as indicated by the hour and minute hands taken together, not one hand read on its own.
7:56
